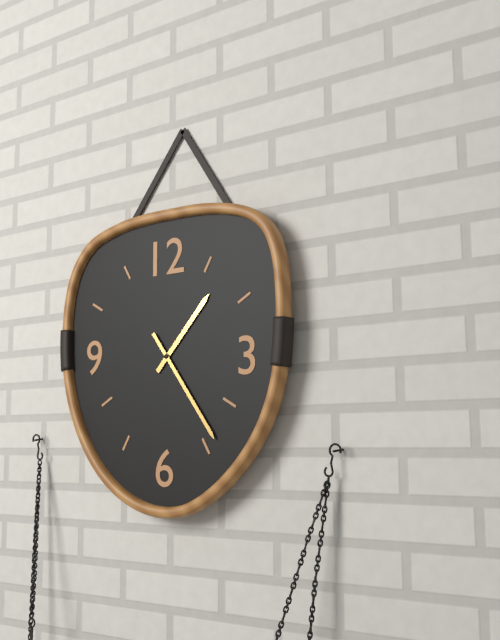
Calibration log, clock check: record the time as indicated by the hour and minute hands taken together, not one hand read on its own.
1:24
